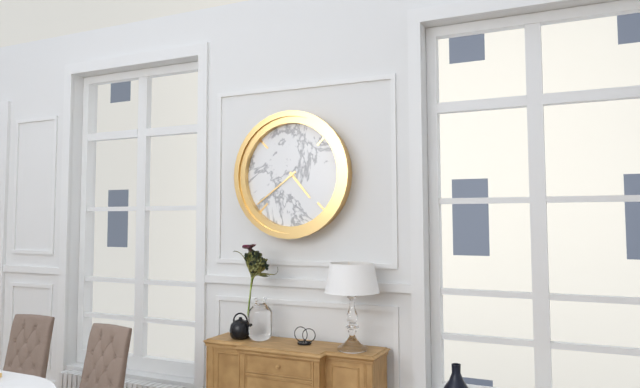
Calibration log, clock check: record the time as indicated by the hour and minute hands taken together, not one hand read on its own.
4:39
